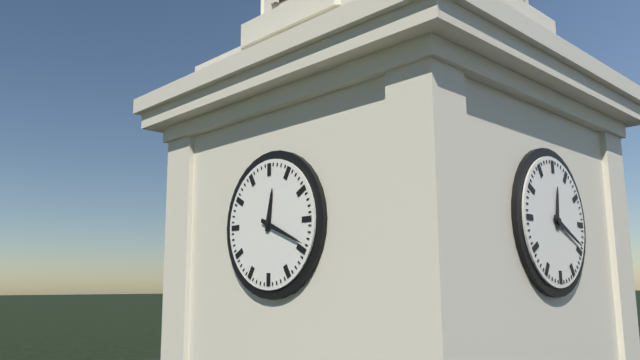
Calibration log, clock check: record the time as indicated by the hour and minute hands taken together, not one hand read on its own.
12:19
